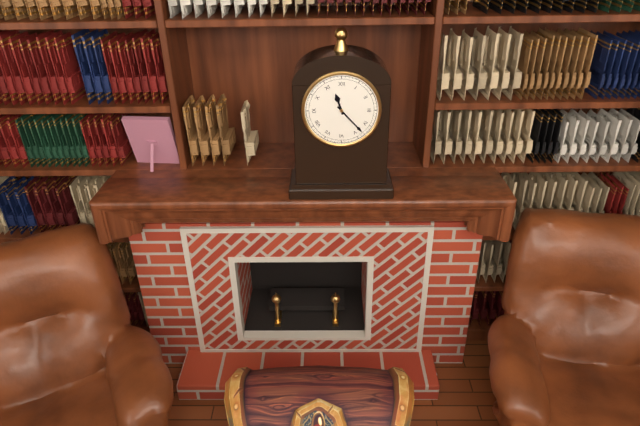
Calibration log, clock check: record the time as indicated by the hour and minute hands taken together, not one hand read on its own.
11:23
